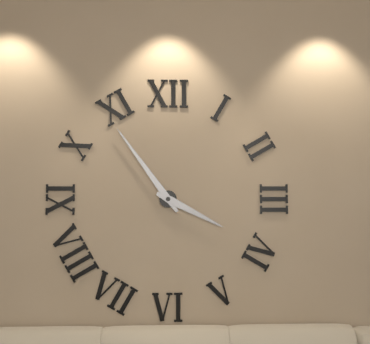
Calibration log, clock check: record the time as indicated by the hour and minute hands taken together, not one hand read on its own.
3:54
